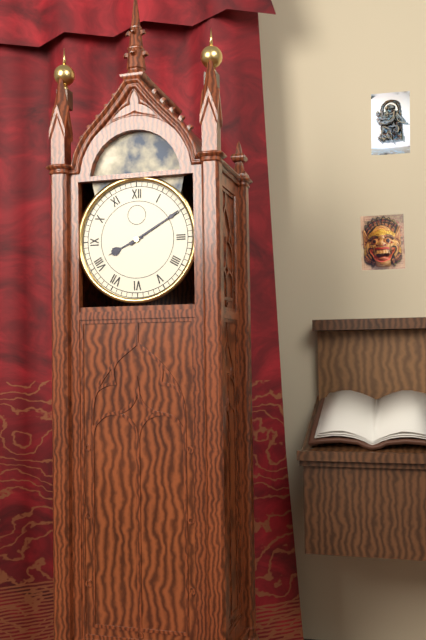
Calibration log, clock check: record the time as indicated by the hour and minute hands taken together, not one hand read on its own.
8:10
